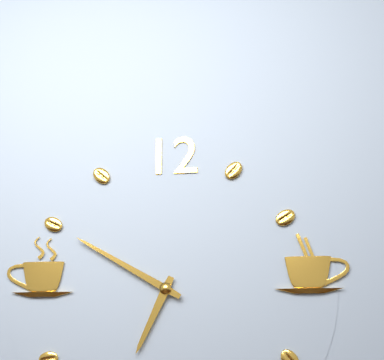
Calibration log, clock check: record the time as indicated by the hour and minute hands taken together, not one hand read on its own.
6:50
